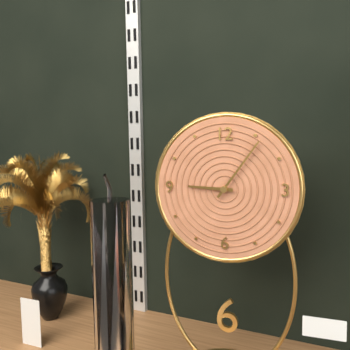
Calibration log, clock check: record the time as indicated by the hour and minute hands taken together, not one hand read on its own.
9:06
